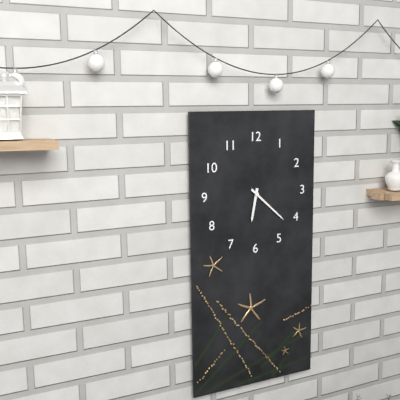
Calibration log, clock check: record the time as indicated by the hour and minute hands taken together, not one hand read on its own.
6:22
